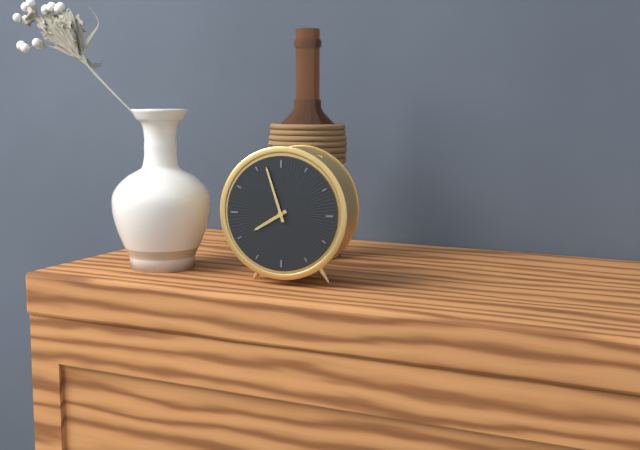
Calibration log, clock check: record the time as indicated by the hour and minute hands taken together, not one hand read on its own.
7:57
